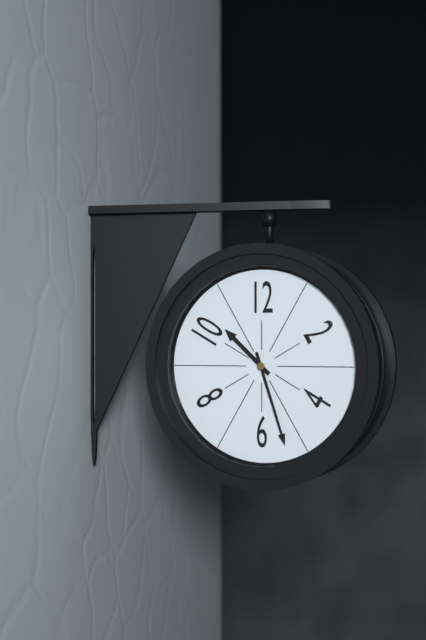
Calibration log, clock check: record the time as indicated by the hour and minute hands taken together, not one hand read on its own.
10:27
